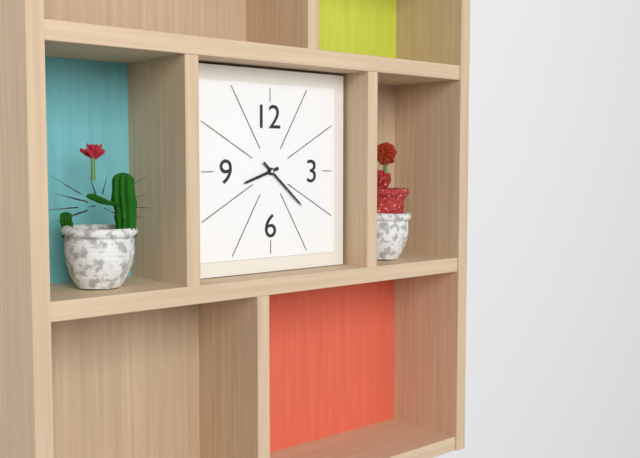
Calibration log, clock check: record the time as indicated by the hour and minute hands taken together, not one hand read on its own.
8:22
